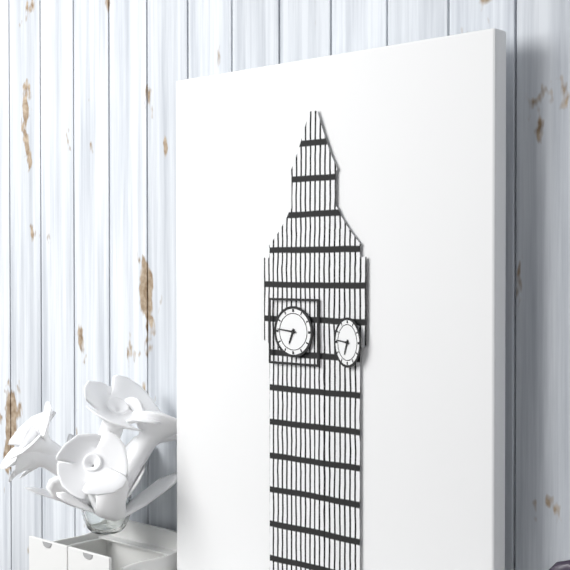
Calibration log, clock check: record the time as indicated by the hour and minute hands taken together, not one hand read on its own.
6:46
